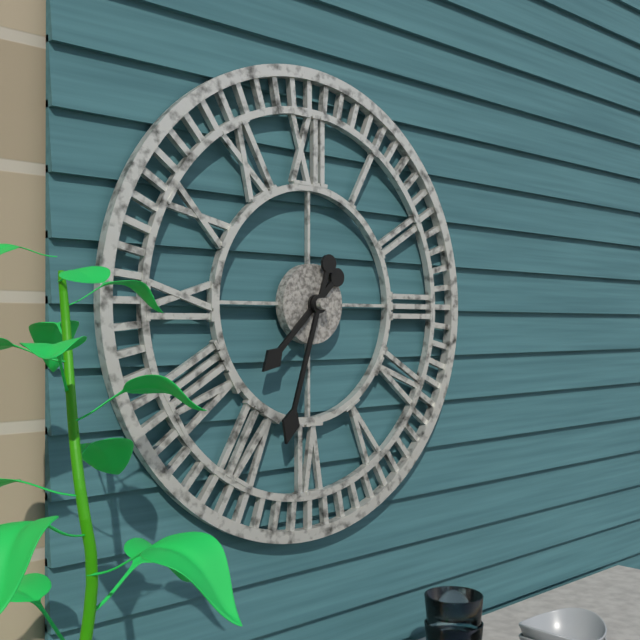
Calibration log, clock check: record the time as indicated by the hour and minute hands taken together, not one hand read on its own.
7:33
